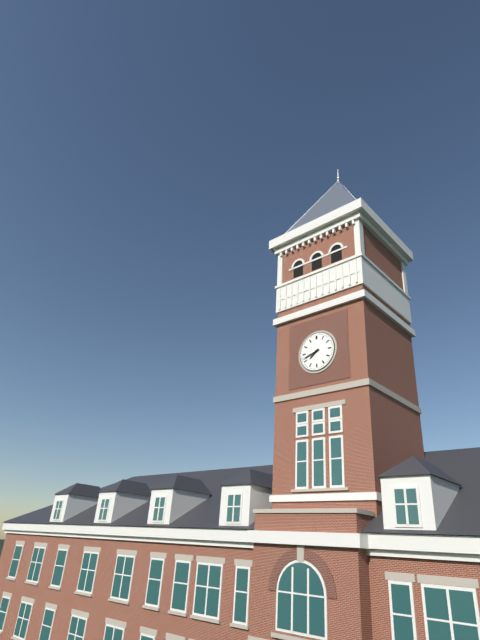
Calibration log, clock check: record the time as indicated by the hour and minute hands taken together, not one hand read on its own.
7:42
